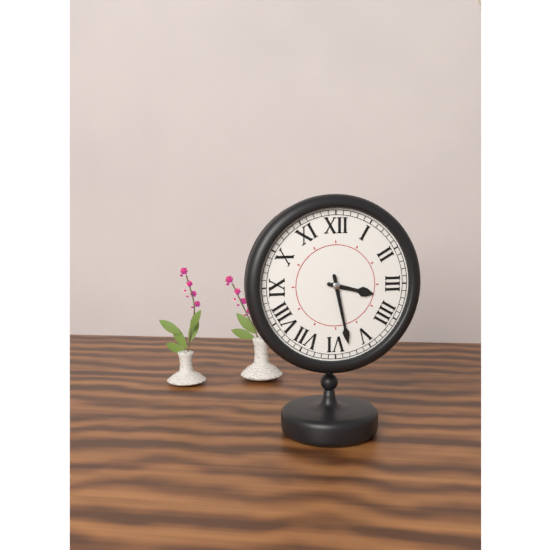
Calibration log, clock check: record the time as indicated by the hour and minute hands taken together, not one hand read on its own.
3:28
